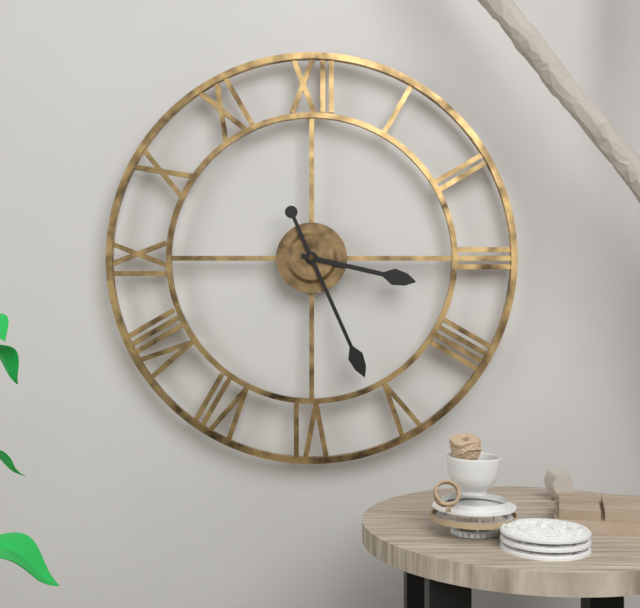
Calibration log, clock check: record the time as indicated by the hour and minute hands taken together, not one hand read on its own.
3:26
